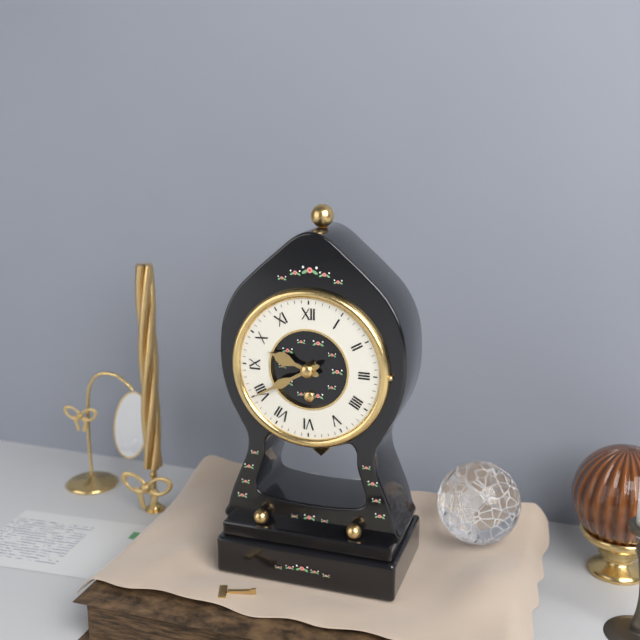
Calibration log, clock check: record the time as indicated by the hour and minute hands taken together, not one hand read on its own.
9:40
